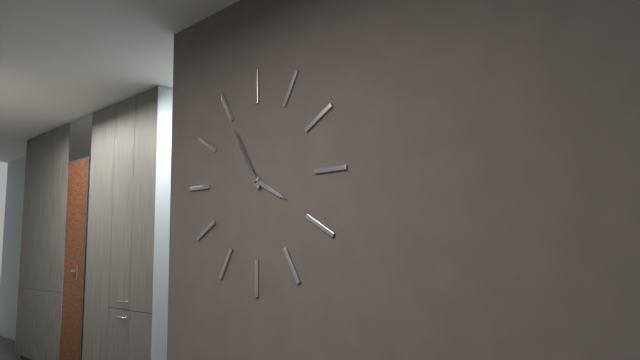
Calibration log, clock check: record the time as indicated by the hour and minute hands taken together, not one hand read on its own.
3:55
